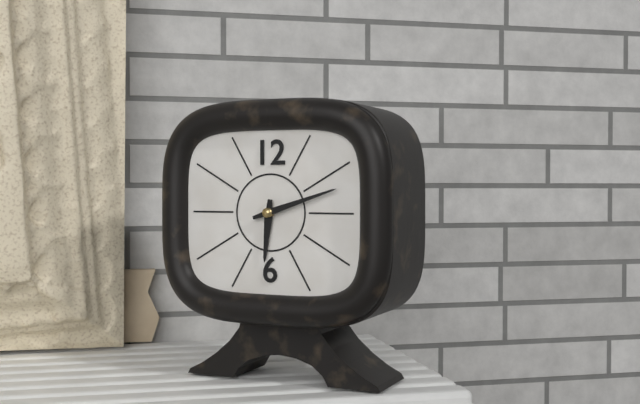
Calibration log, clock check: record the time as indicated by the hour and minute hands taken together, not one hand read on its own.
6:12
